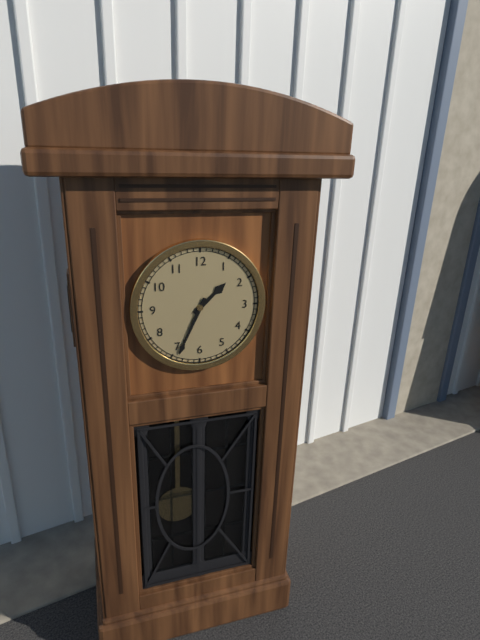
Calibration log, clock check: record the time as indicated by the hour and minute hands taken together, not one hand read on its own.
1:34
